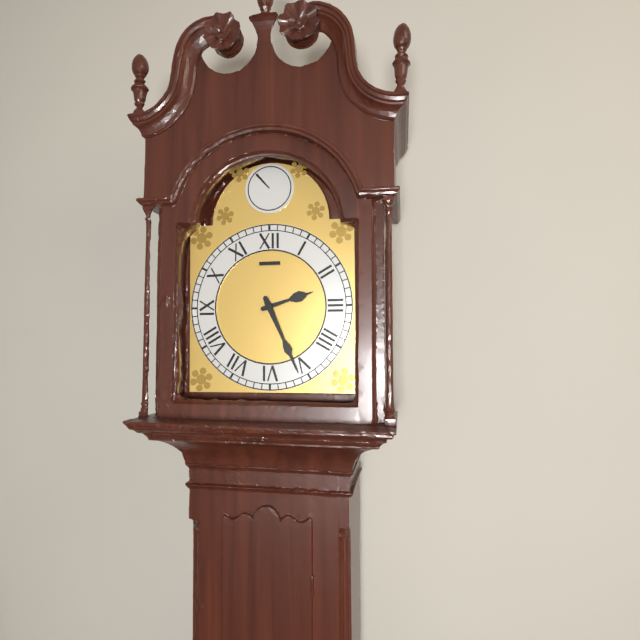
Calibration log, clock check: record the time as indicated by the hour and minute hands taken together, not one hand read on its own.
2:26
